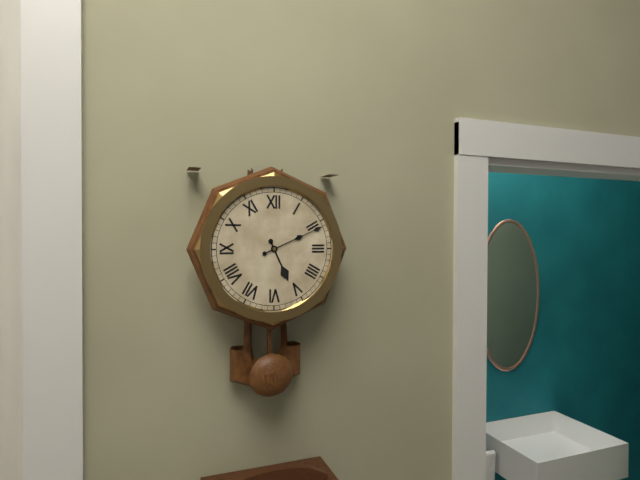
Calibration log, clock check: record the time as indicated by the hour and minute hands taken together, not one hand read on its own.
5:11
